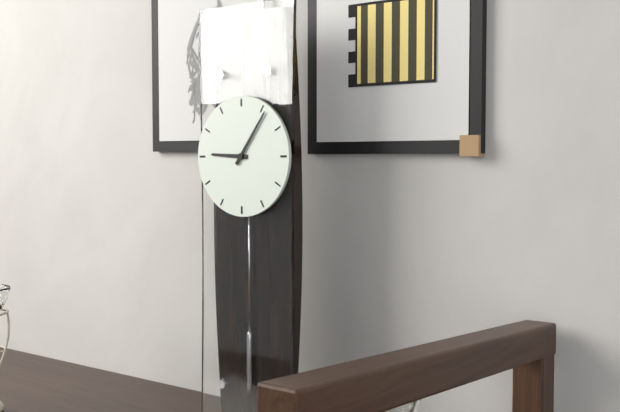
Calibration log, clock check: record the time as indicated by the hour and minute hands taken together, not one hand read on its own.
9:06
